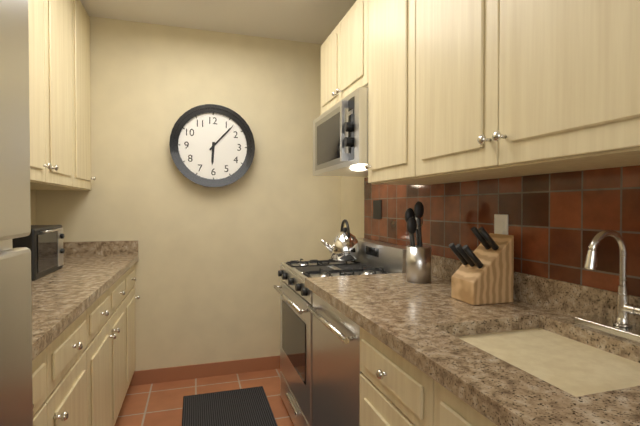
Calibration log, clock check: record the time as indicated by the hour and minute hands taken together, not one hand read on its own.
6:07
